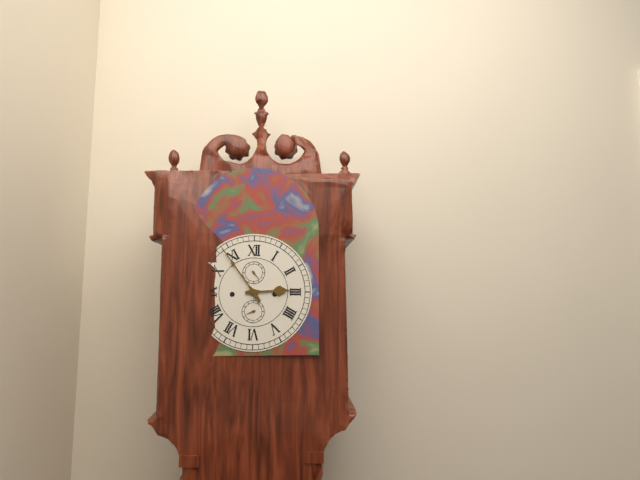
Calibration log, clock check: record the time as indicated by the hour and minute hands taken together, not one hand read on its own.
2:54
